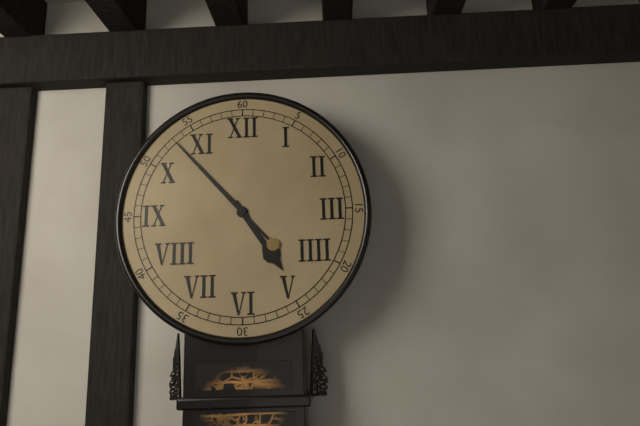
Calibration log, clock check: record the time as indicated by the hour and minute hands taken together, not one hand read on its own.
4:53
